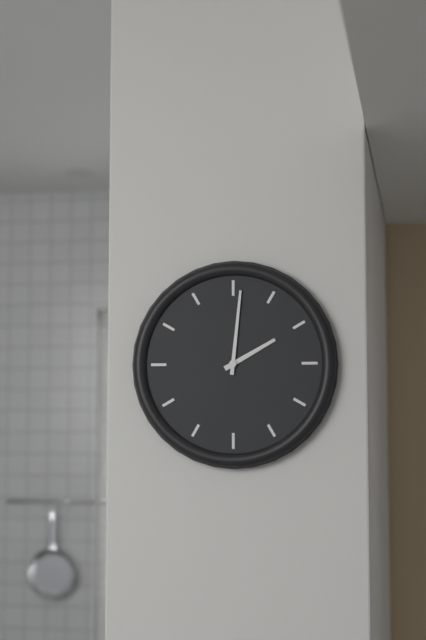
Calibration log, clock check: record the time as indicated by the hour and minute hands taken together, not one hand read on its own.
2:01
